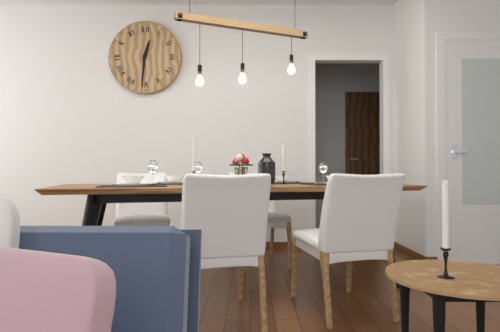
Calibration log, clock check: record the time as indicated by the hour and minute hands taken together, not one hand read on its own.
12:31
